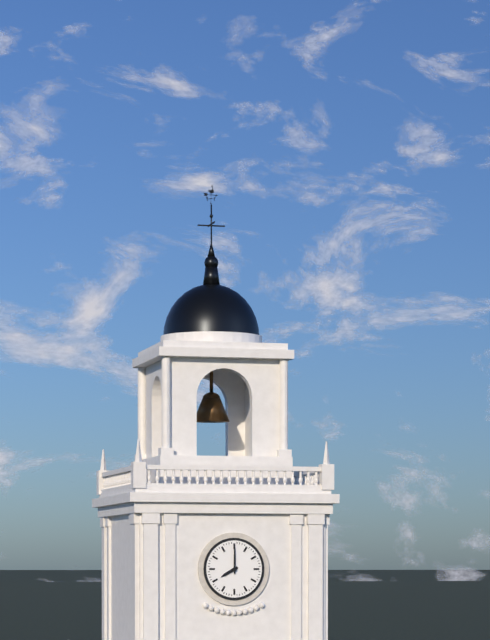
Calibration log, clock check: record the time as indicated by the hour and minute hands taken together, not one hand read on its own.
8:00
